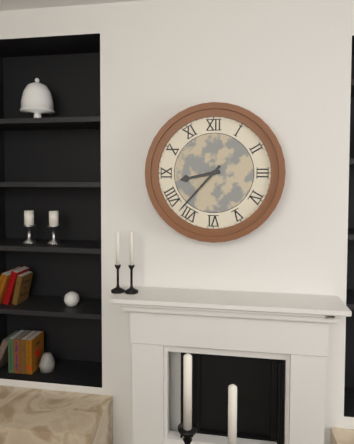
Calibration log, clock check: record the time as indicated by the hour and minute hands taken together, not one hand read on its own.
8:37
